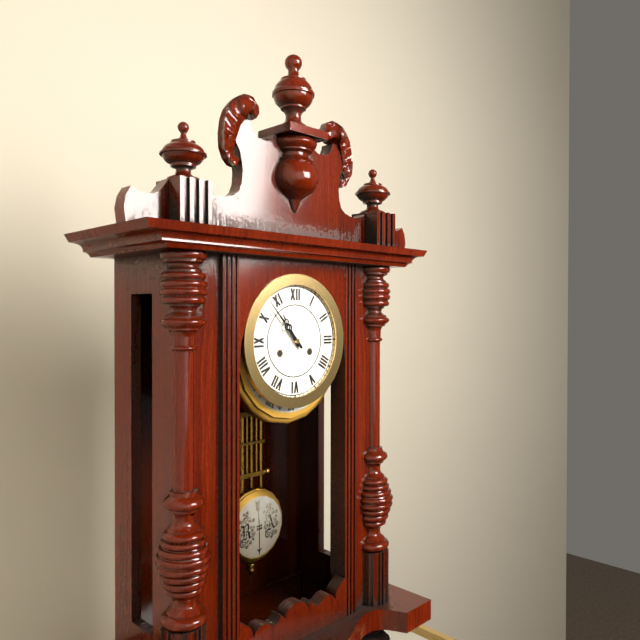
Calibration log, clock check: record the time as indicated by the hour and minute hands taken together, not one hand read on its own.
10:53
